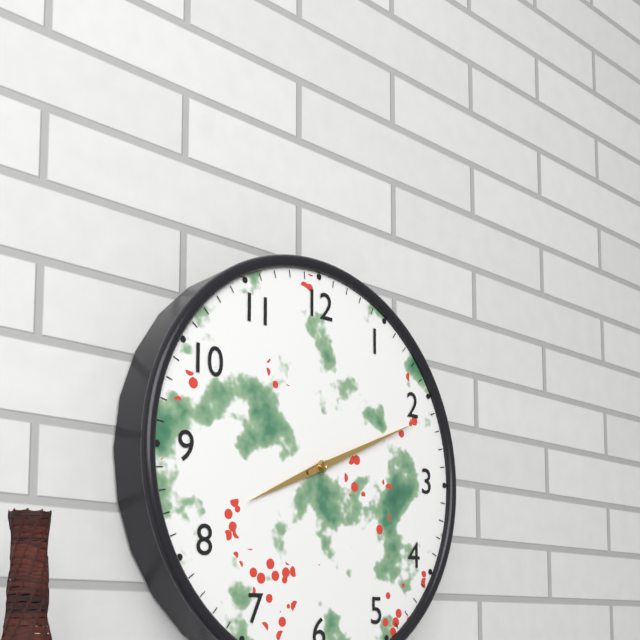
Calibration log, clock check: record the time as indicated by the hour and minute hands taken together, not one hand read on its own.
8:11
